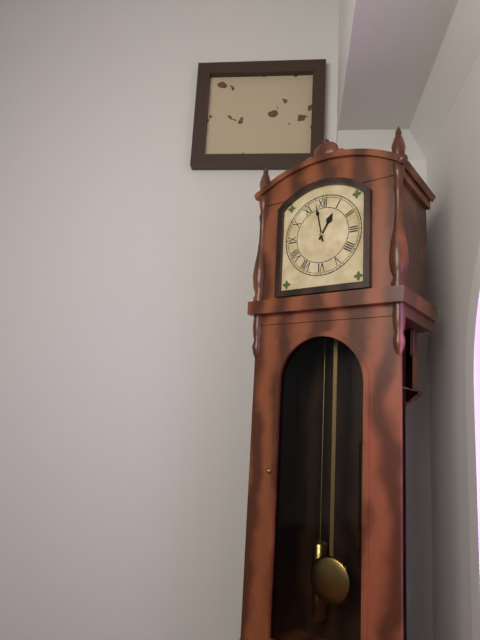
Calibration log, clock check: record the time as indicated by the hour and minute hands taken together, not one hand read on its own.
12:58
